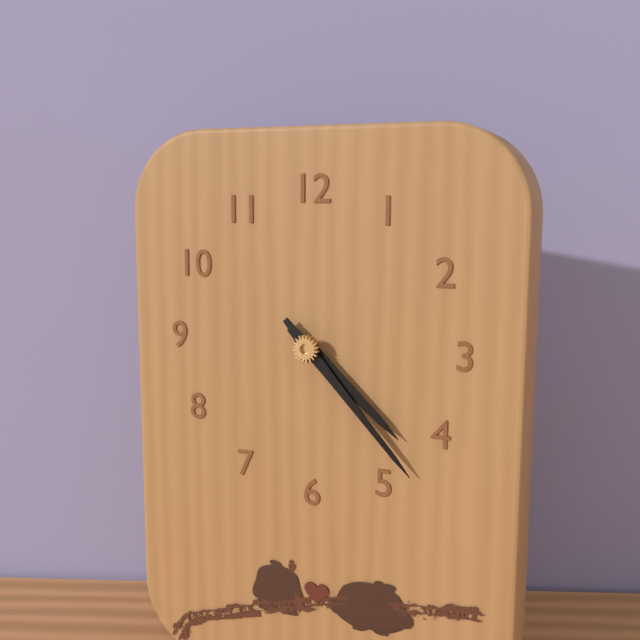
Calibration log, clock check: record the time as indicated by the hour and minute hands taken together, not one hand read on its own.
4:23
